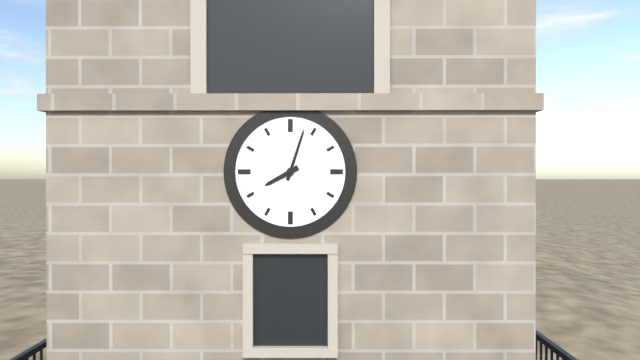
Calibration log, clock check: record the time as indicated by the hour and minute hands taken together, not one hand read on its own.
8:03
